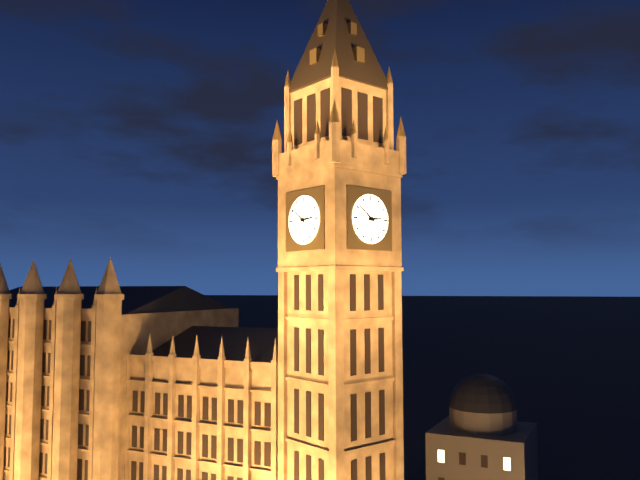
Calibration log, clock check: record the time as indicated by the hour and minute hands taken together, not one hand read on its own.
2:51
